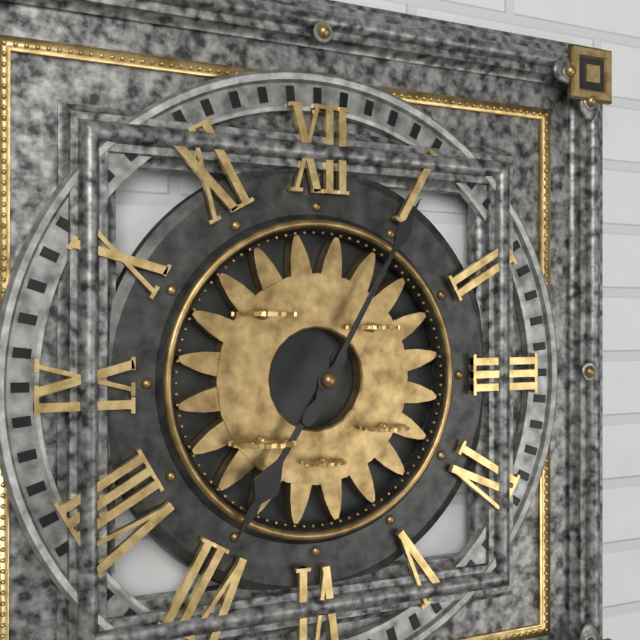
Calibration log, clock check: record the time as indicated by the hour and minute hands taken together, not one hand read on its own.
7:05
